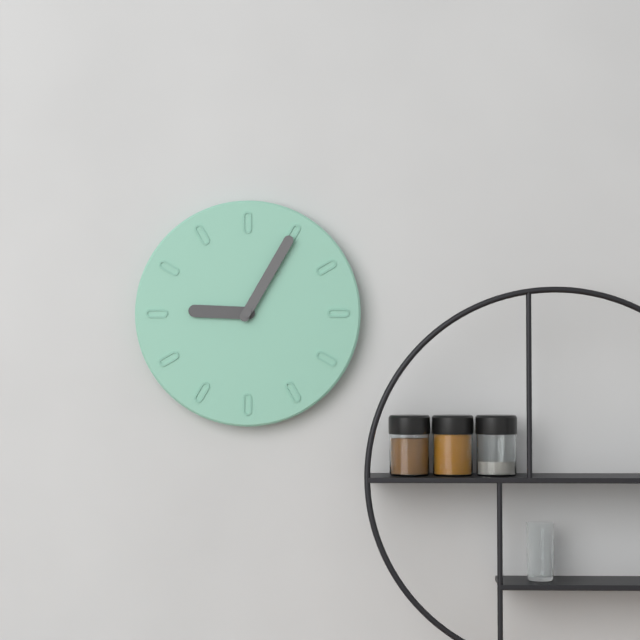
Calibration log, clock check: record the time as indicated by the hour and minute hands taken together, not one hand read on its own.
9:05
